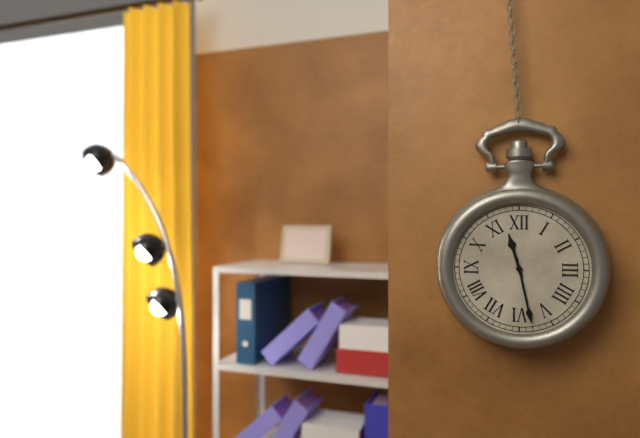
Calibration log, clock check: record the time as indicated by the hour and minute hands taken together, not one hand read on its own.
11:28
